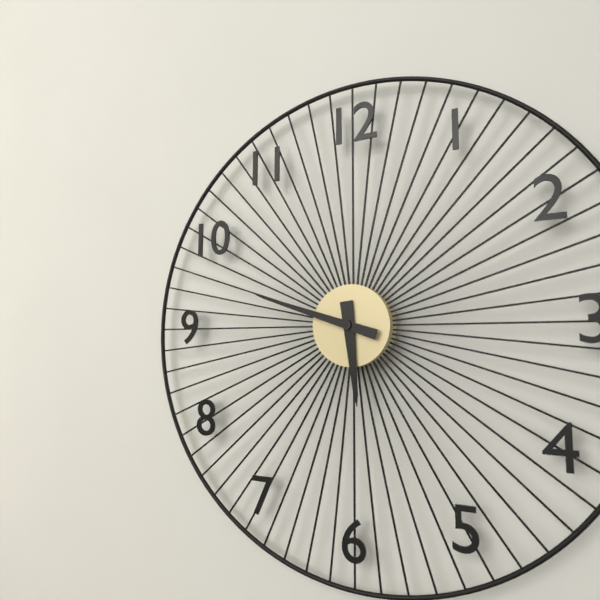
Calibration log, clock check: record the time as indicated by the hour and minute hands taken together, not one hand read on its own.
5:48
